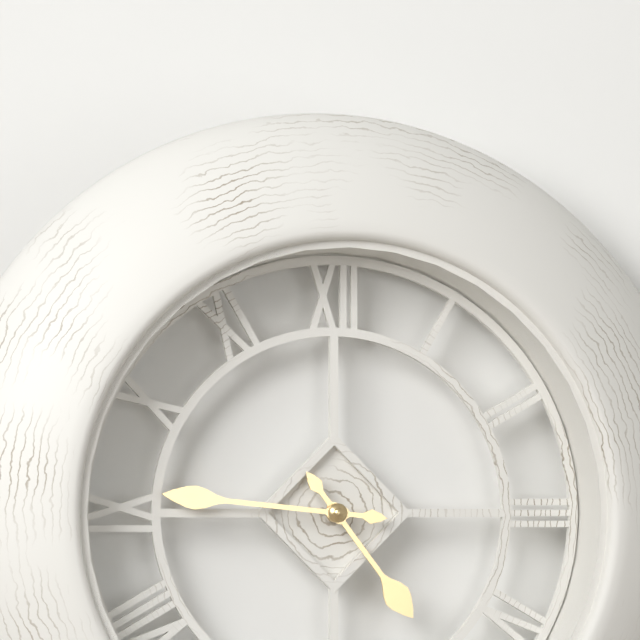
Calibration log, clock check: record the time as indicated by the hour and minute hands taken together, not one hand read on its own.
4:46
